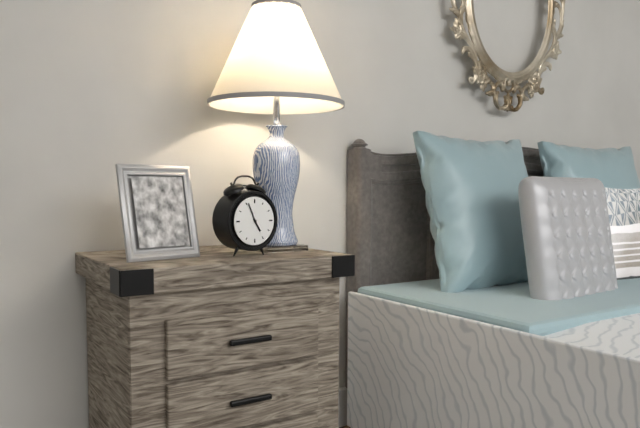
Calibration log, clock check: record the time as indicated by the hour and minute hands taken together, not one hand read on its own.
4:56
